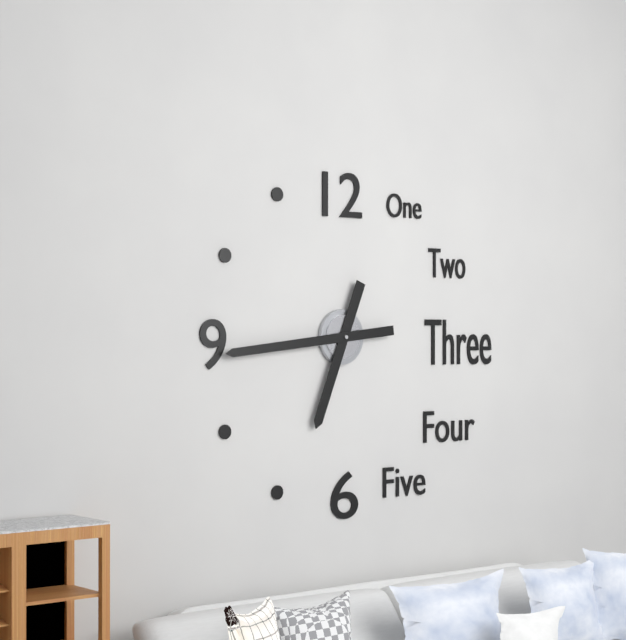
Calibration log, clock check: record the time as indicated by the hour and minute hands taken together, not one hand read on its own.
6:44
